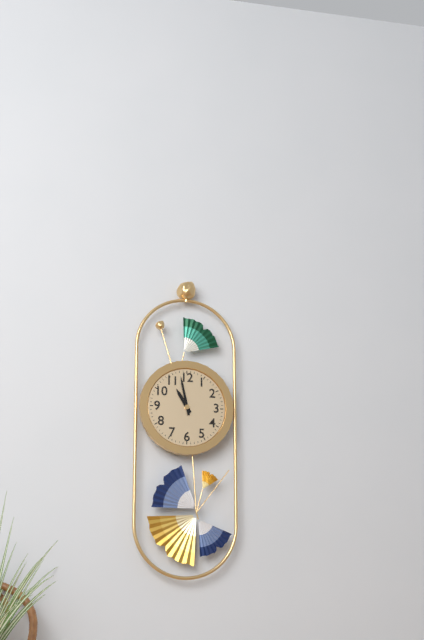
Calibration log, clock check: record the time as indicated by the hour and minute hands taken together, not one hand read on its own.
10:58
